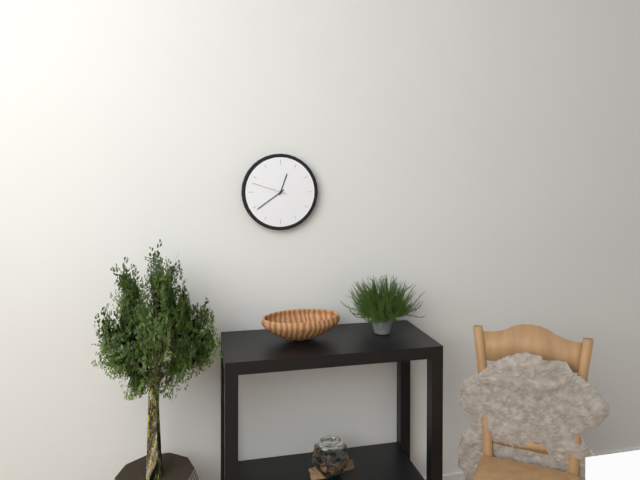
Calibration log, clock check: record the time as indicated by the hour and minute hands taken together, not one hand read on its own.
12:39
